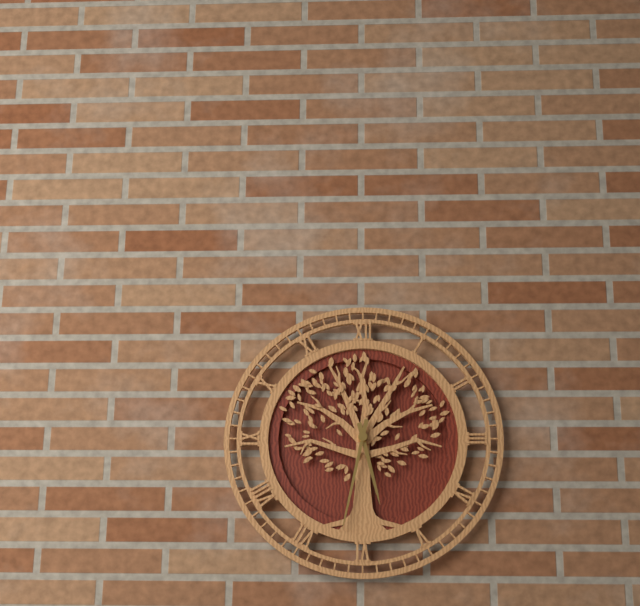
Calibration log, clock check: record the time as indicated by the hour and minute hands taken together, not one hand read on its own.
5:32
